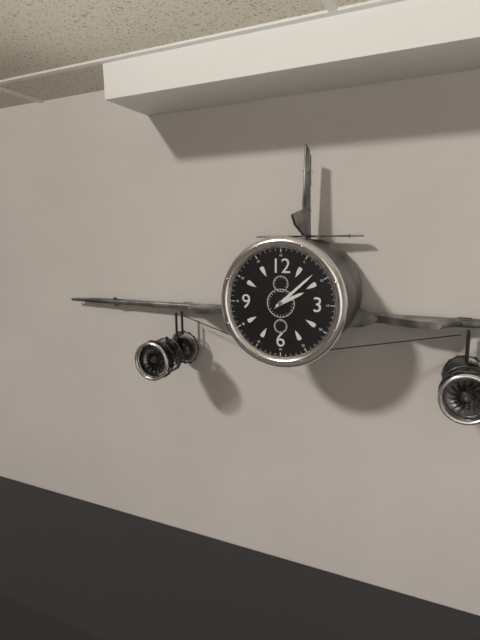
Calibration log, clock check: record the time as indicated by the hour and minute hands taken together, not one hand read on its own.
2:08
